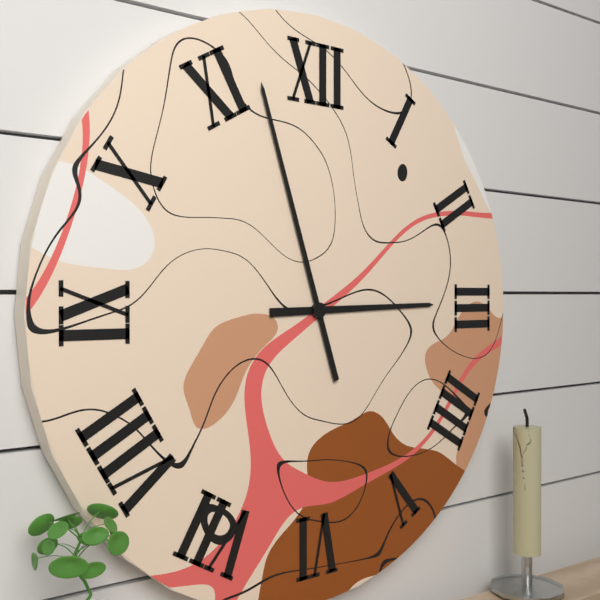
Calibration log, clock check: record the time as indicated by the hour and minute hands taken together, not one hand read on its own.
2:57
